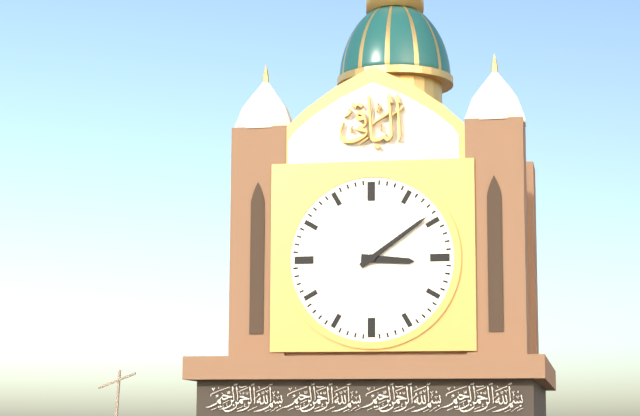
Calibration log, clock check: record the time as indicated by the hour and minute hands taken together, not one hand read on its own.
3:09
